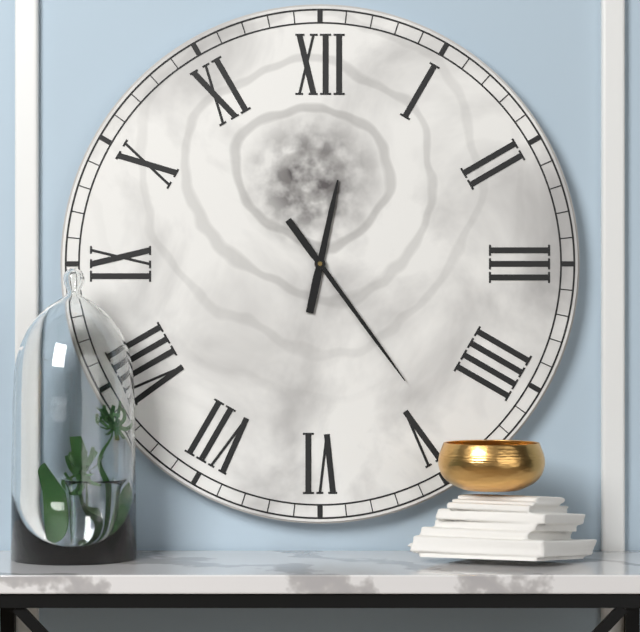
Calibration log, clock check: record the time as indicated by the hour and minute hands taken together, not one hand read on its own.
12:24
